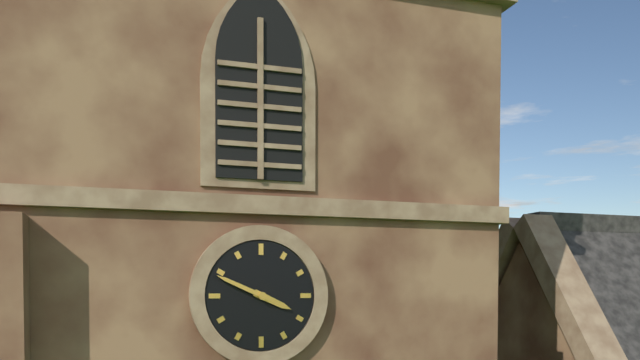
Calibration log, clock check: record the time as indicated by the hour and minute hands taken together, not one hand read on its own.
3:49
